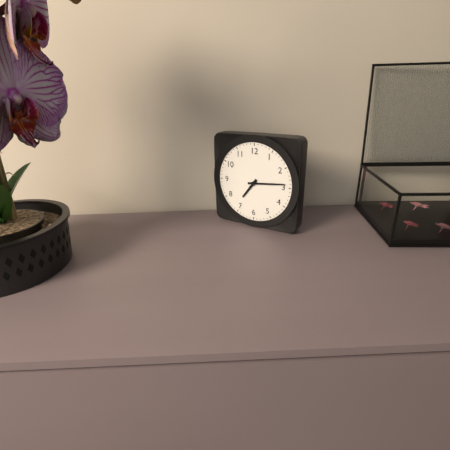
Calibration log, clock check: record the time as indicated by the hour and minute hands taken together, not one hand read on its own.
7:14
